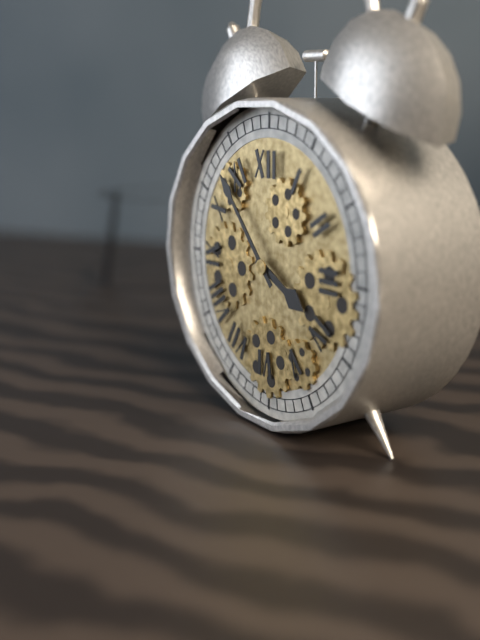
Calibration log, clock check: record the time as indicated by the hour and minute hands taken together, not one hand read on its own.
3:53
